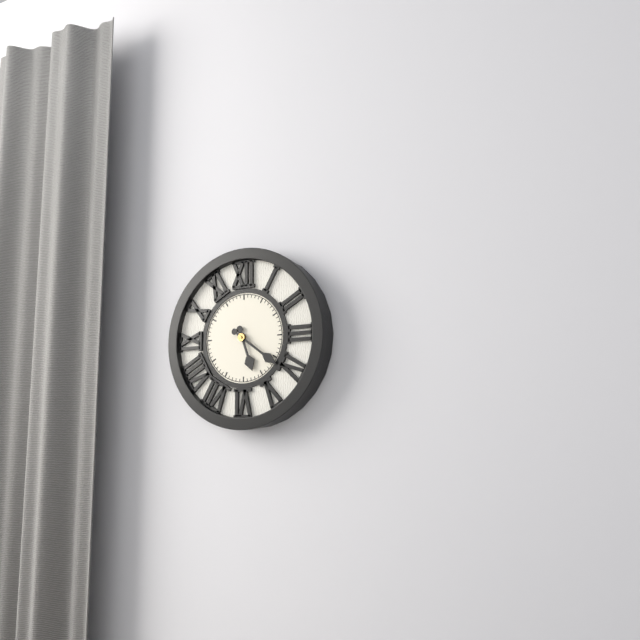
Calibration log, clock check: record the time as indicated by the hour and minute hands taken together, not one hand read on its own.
5:21
